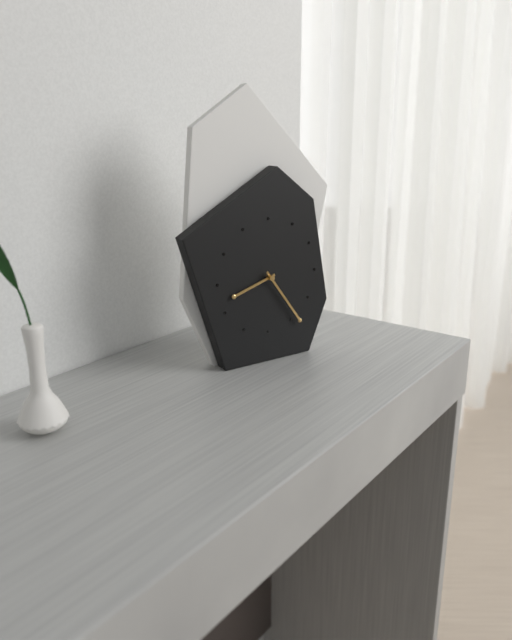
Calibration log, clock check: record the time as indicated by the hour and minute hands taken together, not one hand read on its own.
8:24
